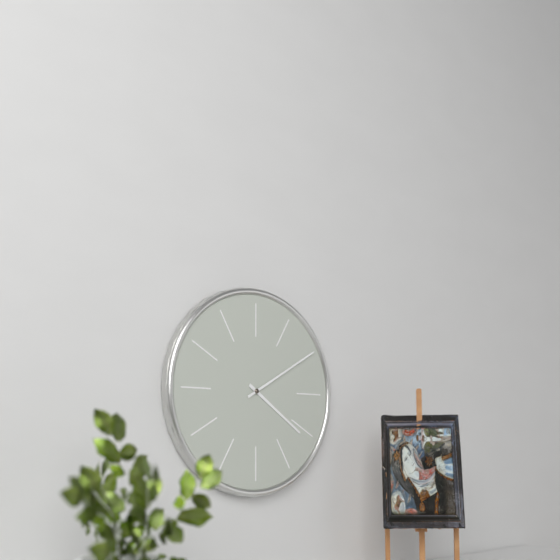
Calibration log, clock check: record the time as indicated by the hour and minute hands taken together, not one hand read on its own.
4:10
